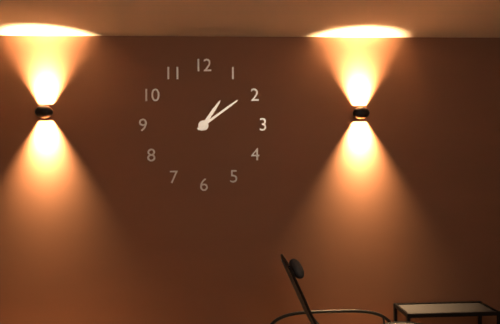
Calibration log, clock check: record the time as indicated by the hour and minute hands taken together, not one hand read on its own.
1:09
